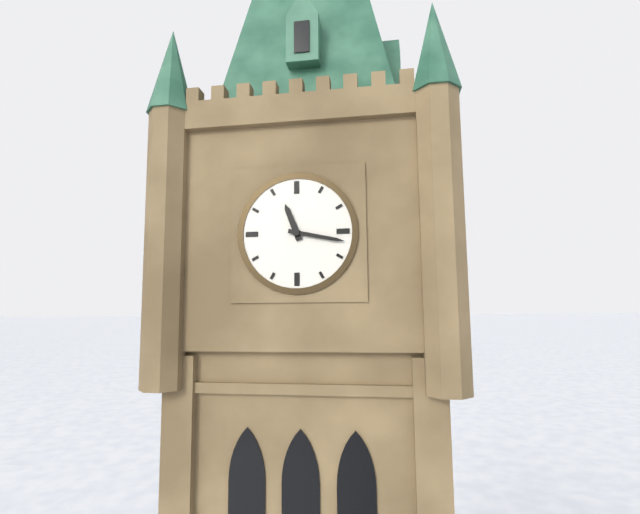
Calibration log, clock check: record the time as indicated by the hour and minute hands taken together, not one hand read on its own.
11:17
